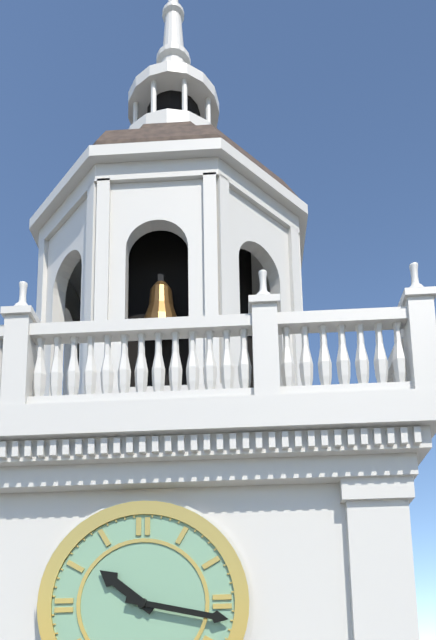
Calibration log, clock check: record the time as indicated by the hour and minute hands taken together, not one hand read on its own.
10:17
